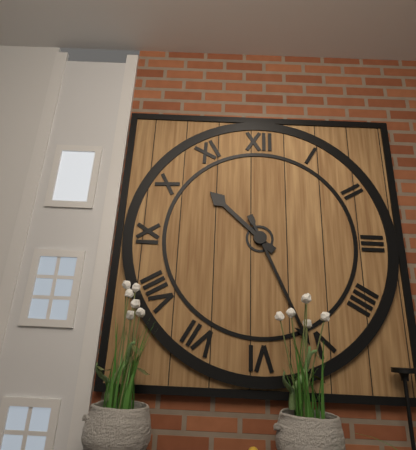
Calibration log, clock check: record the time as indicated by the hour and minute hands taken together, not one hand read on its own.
10:26
